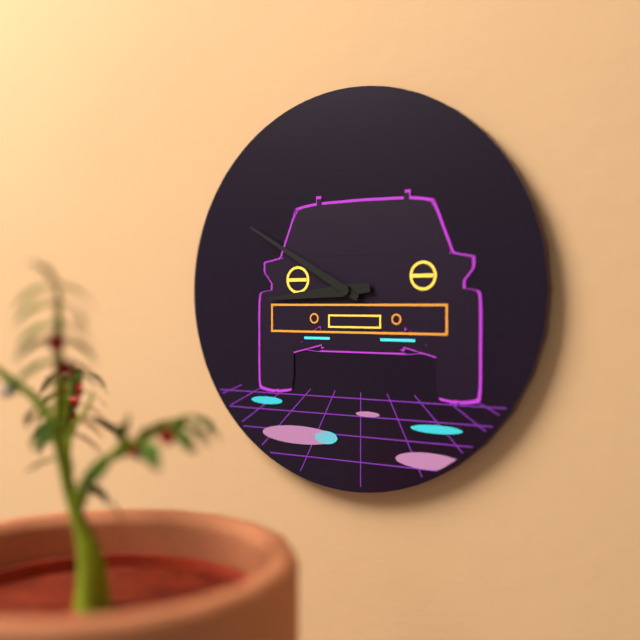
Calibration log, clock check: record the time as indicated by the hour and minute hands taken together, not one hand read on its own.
8:50
